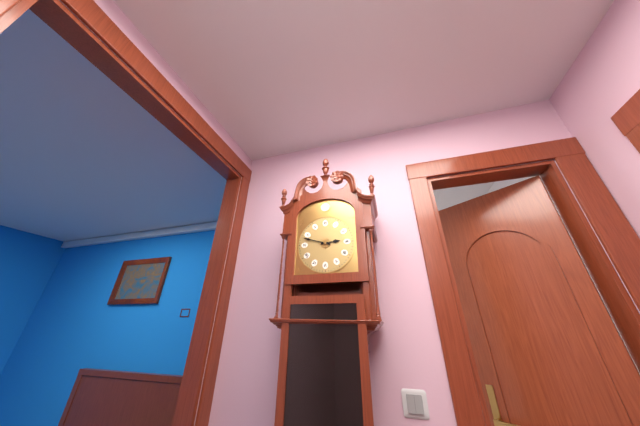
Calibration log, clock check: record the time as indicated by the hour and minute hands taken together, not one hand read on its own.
2:48
